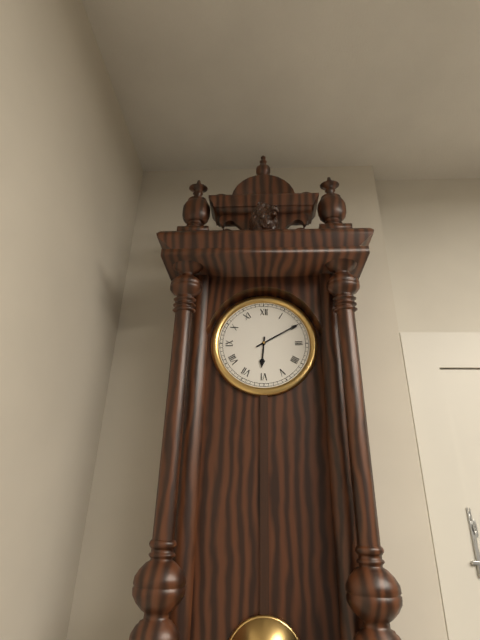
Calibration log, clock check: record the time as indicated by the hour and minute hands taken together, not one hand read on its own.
6:10
